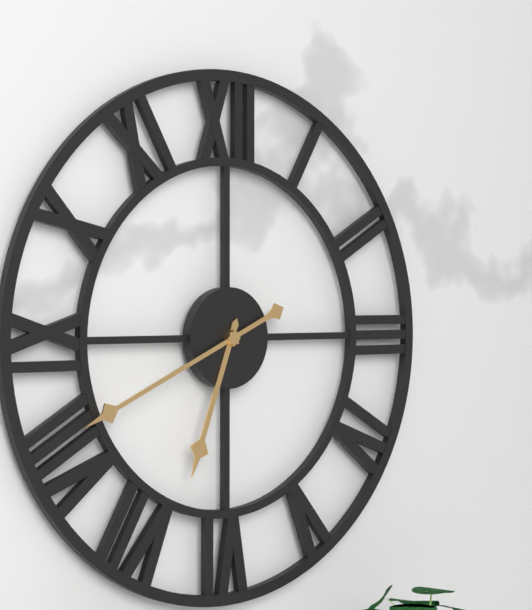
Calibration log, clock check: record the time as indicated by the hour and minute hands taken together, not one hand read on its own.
6:41
